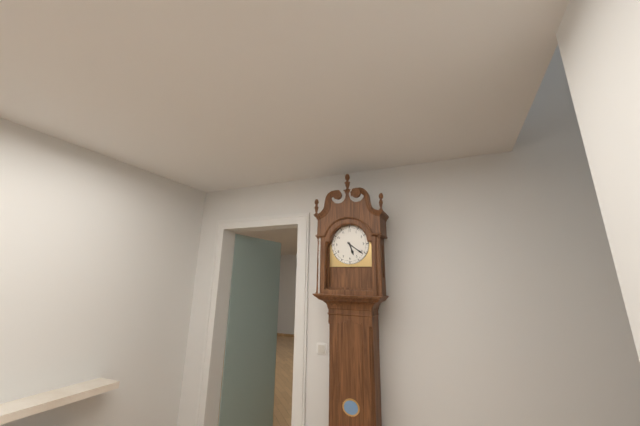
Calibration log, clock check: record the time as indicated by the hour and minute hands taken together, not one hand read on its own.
5:21
